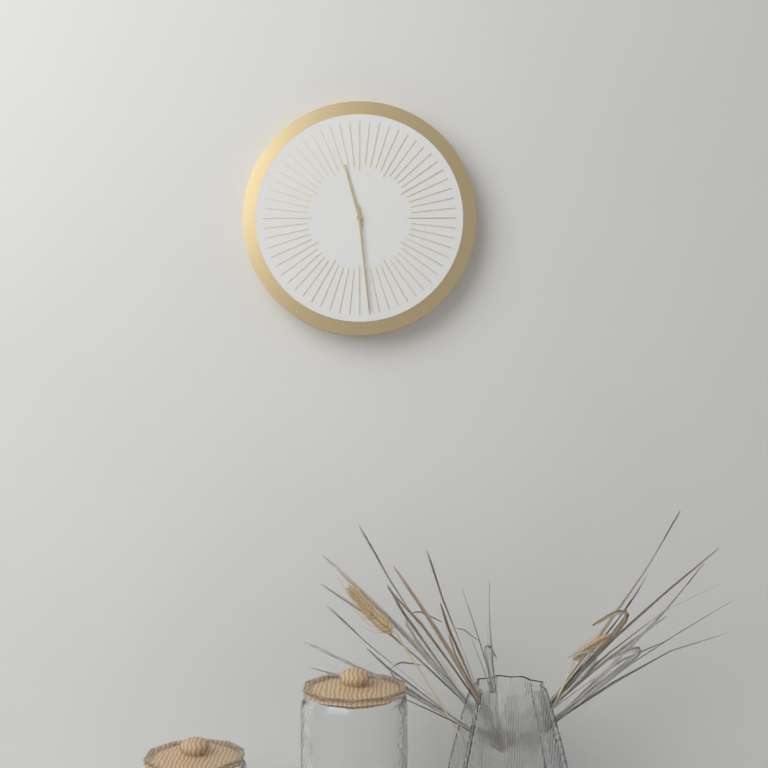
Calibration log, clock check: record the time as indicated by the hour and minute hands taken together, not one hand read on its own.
11:29
